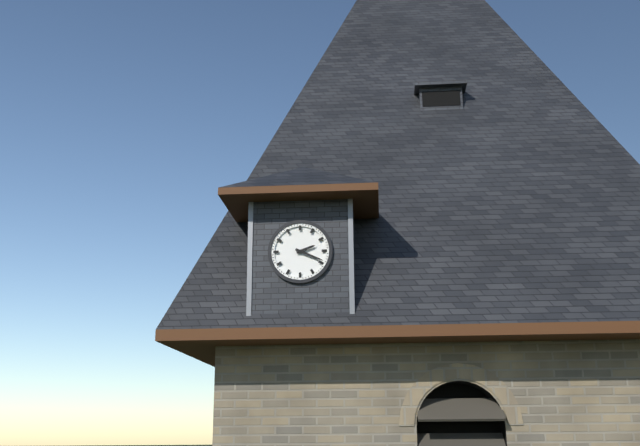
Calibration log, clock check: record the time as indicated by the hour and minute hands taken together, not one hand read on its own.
2:19
